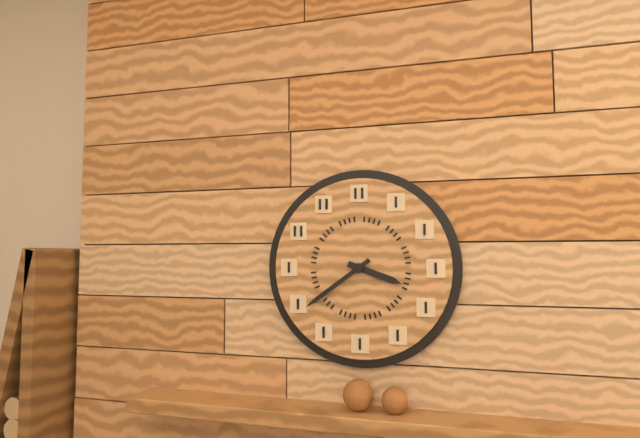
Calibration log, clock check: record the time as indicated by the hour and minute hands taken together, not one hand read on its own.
3:39
